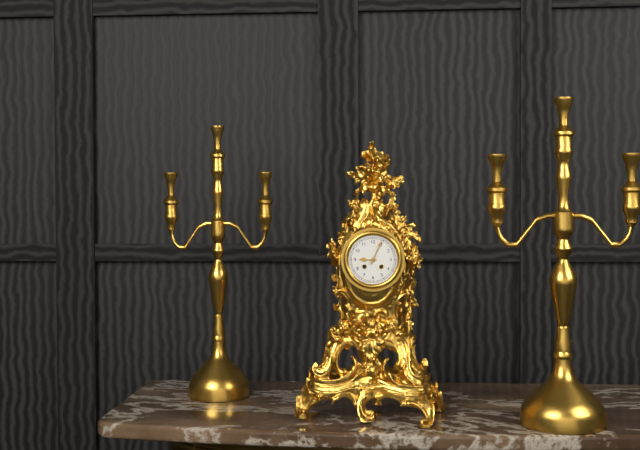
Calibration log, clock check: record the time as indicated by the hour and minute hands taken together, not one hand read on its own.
9:04
